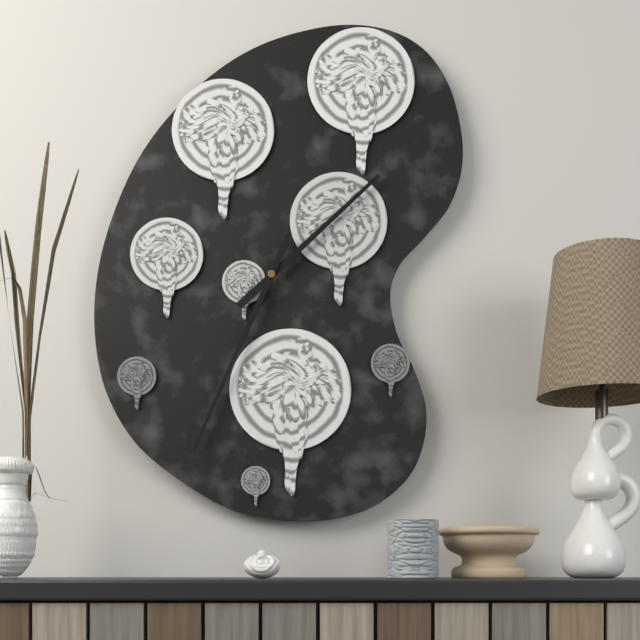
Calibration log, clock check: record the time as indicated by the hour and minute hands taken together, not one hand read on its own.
1:34
